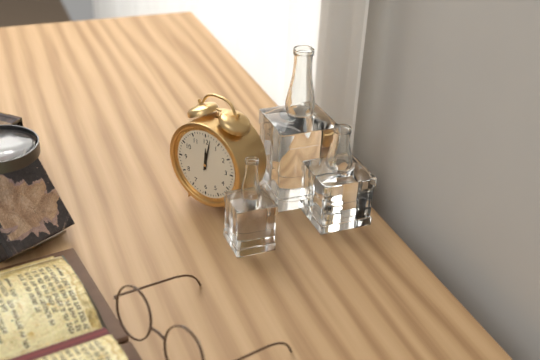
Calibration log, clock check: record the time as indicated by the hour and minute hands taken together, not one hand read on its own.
12:02
